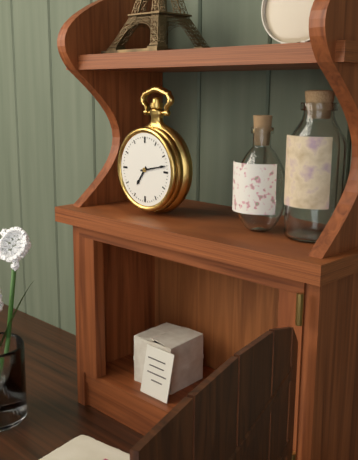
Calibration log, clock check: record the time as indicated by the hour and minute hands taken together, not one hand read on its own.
7:13
